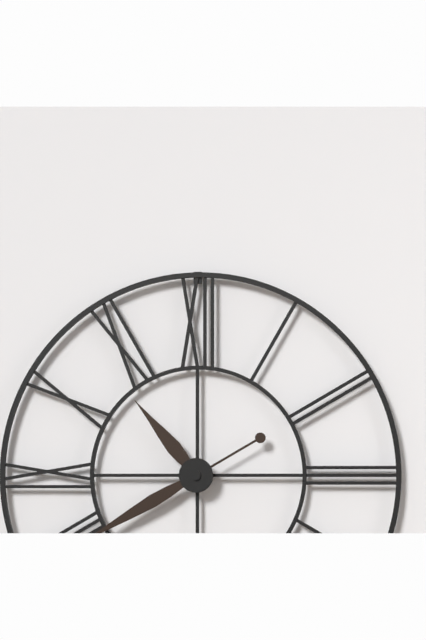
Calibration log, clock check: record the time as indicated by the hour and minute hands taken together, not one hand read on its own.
10:40
